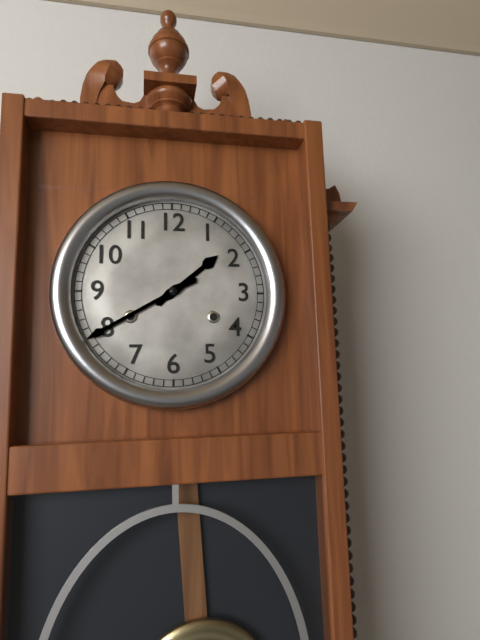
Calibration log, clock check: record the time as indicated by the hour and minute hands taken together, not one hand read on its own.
1:40
